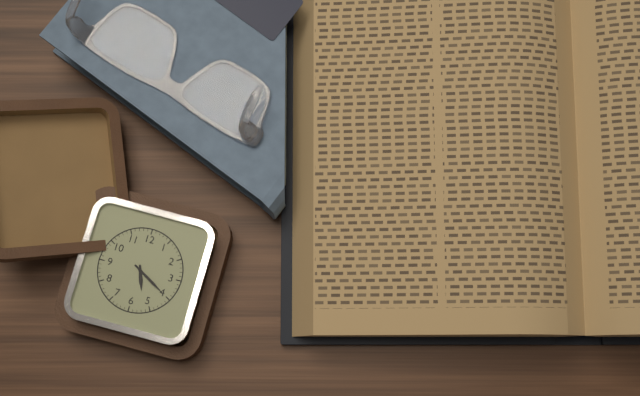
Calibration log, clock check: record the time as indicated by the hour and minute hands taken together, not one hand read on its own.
5:20
